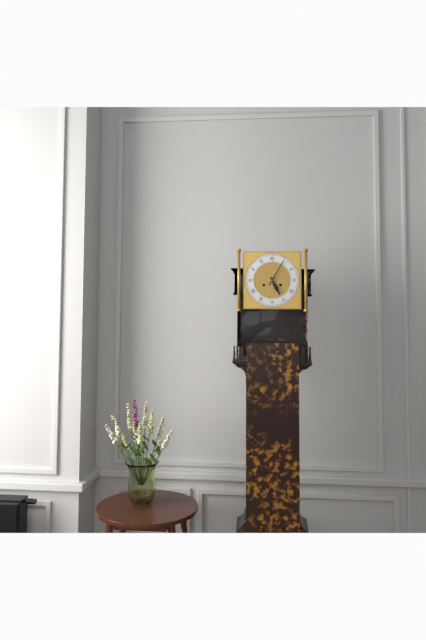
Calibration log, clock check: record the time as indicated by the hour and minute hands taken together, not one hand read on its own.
5:05
